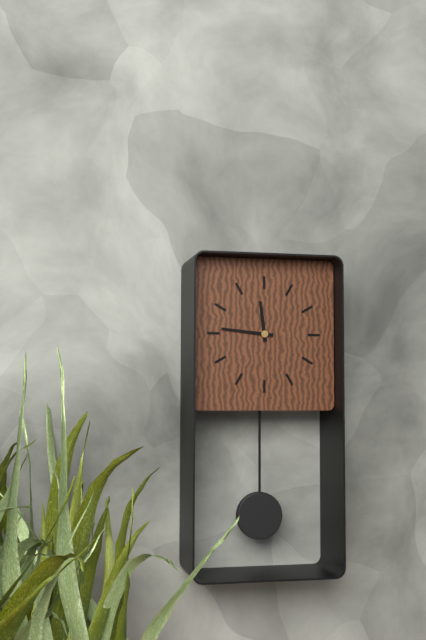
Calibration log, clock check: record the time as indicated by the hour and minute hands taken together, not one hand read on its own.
11:46
